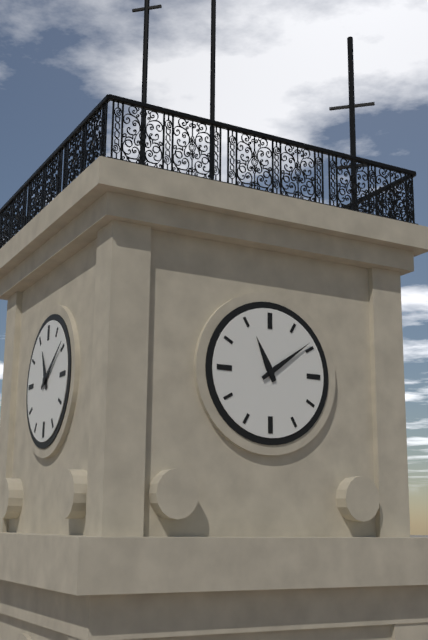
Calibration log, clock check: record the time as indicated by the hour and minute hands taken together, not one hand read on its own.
11:09
